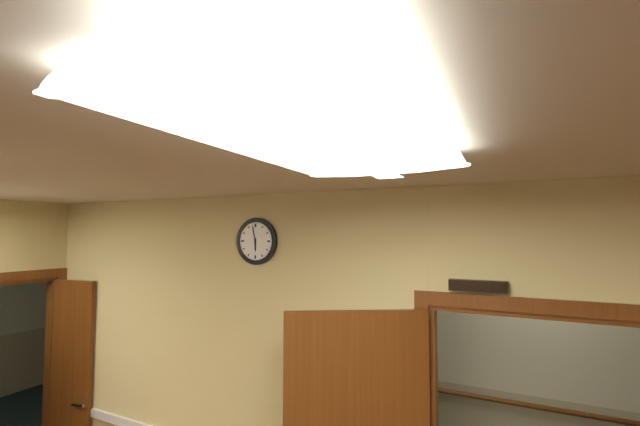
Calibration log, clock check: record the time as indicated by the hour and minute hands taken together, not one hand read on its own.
5:58
